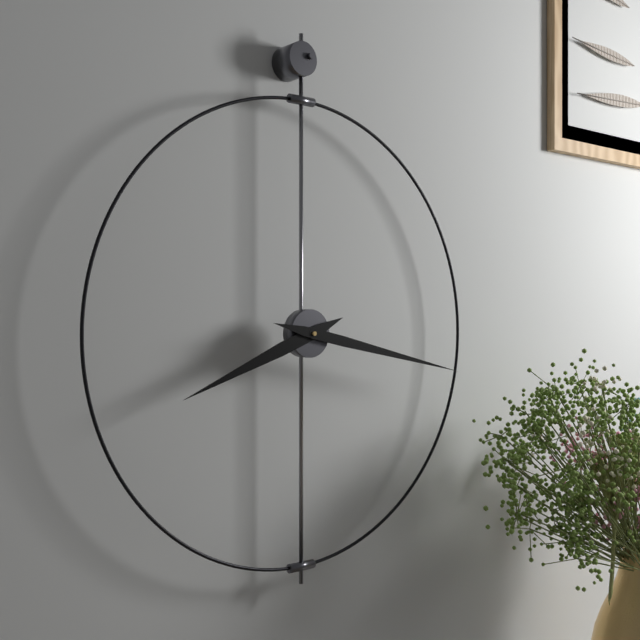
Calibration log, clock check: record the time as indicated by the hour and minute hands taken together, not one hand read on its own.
8:17
